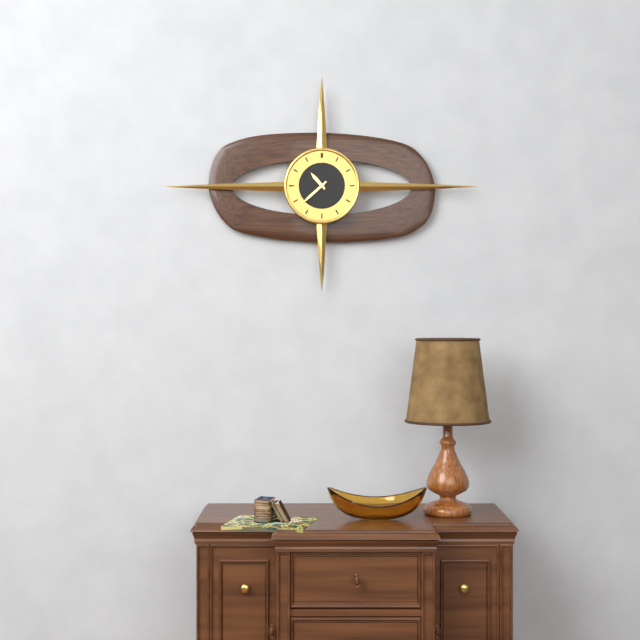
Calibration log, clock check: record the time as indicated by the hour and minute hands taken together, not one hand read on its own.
10:38
